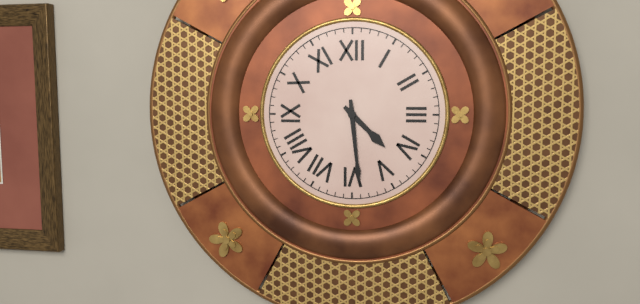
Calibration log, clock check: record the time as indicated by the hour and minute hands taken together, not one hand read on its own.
4:29
